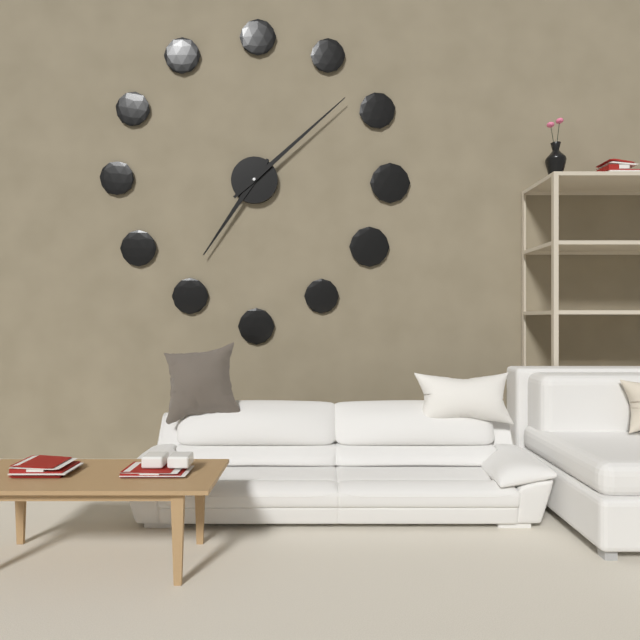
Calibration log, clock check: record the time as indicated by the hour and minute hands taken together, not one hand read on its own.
7:08
